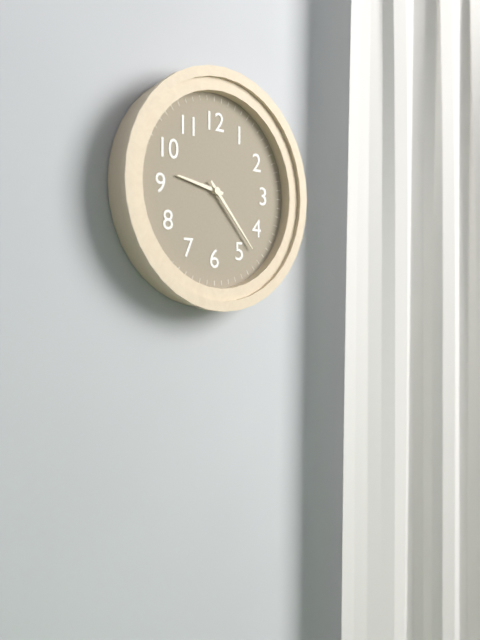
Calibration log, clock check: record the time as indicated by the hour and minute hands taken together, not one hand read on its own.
9:23
